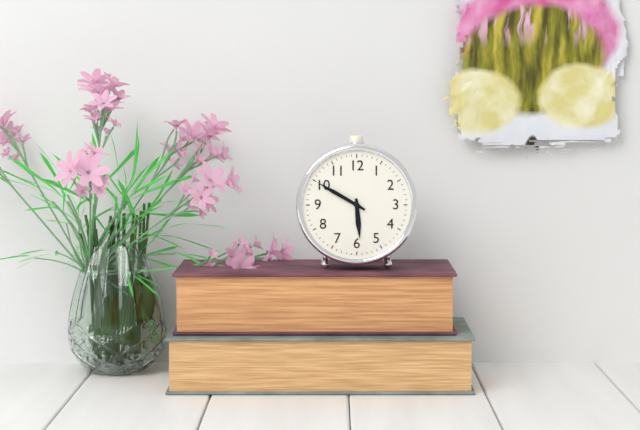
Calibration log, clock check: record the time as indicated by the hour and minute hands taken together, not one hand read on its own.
5:50
